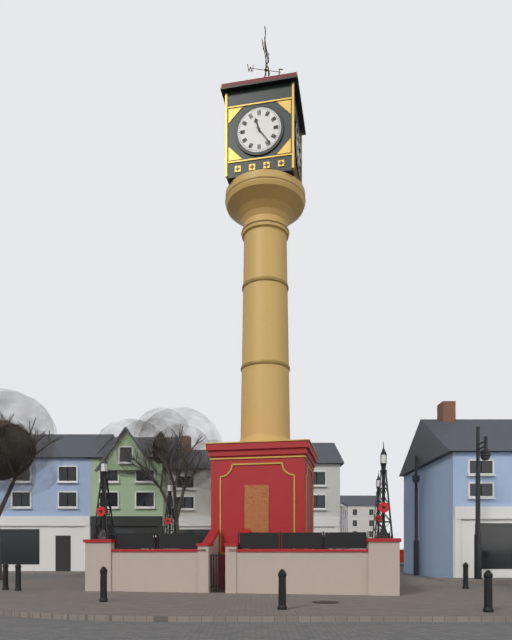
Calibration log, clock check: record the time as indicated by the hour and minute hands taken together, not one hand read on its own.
11:24
